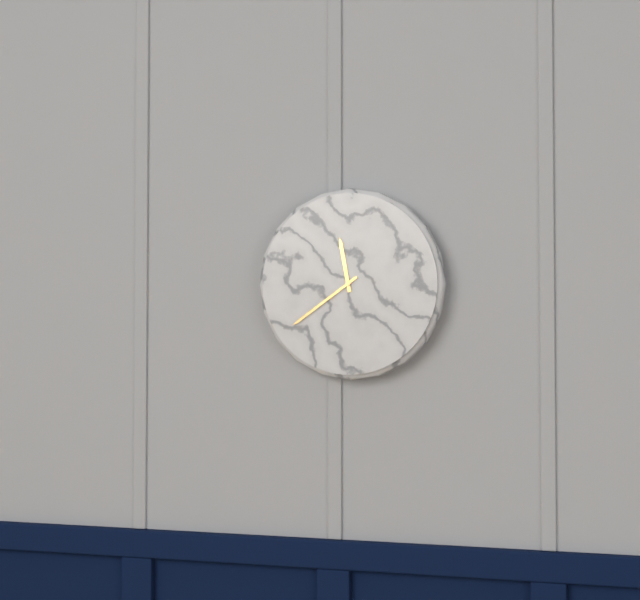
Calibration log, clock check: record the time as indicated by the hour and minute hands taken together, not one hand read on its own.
11:39
